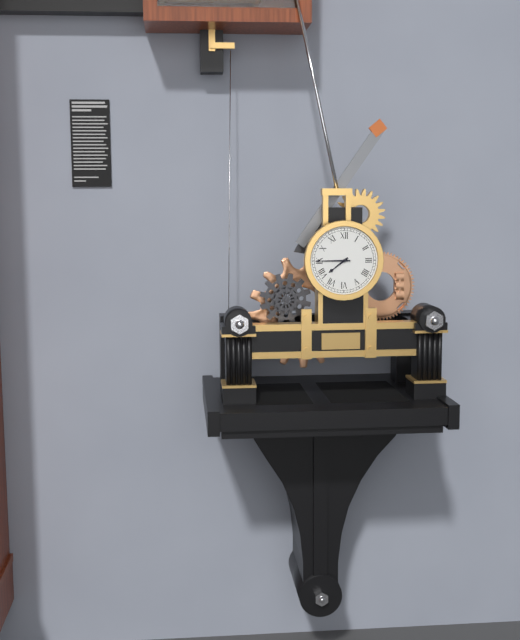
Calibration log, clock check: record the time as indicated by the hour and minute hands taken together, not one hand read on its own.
7:45
